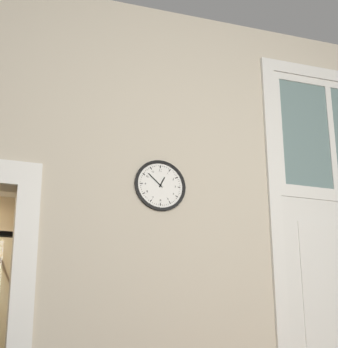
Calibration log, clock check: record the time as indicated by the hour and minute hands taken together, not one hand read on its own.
12:52
